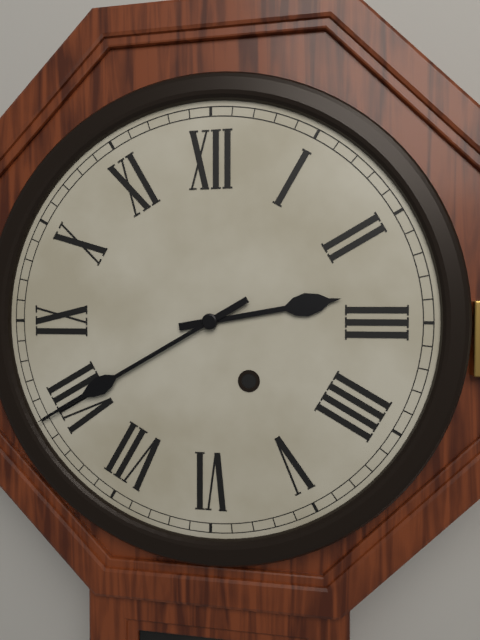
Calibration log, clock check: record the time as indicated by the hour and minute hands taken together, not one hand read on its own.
2:40
